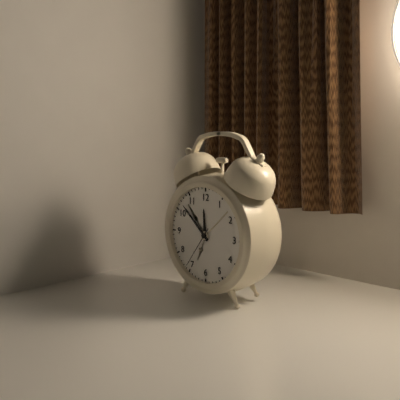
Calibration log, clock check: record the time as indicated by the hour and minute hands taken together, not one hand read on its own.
11:52
